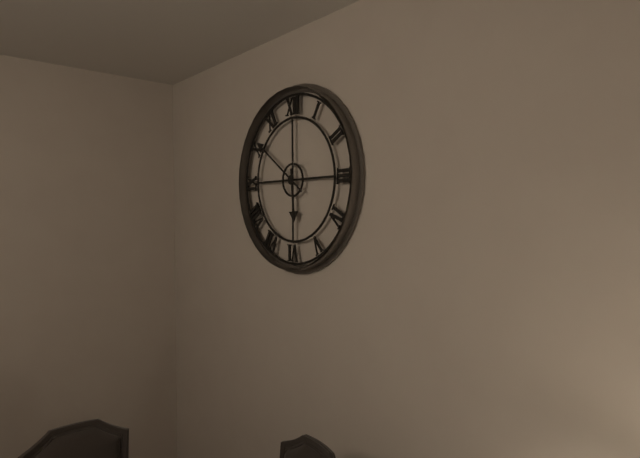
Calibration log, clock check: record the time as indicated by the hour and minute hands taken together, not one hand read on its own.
5:51
